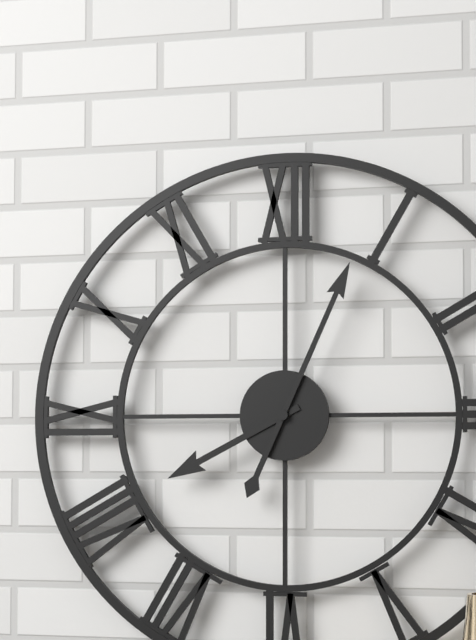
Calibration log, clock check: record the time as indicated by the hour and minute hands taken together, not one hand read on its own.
8:04
